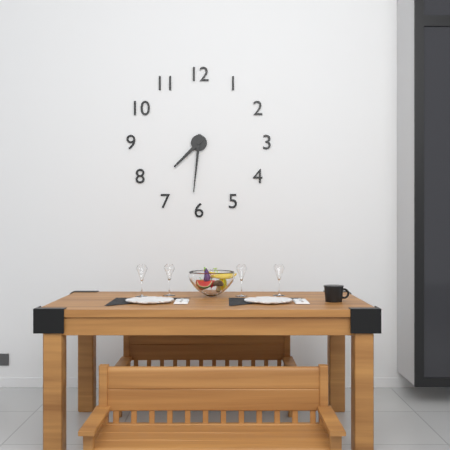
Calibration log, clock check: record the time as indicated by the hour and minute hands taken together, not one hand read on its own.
7:31
